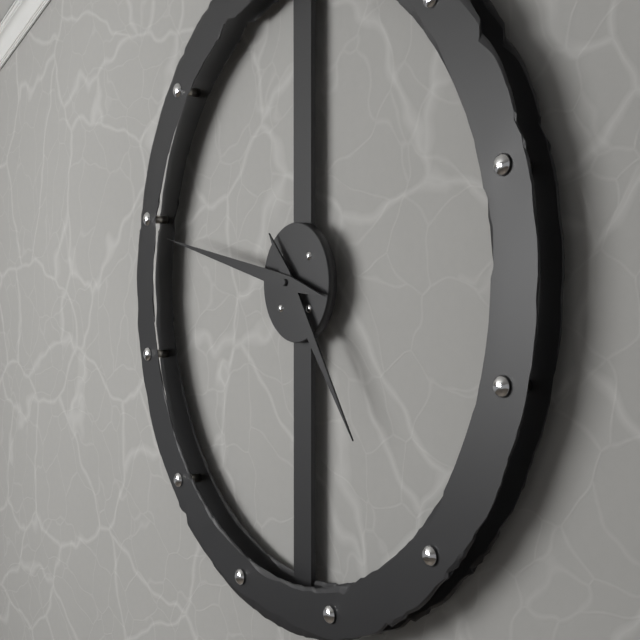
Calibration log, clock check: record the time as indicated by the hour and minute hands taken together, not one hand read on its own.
4:47
